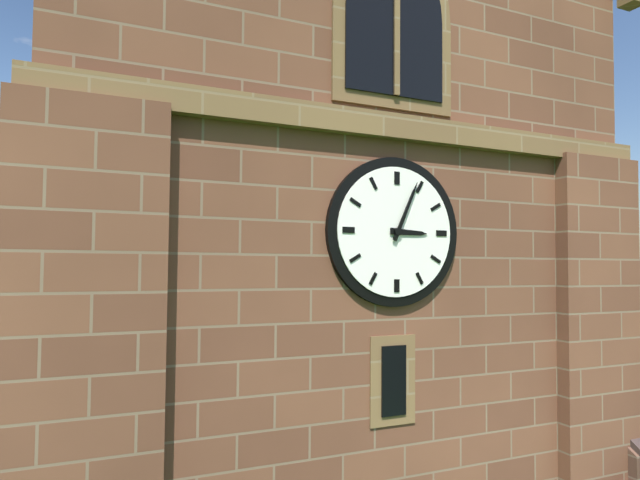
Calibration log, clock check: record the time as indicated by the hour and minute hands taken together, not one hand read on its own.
3:04
